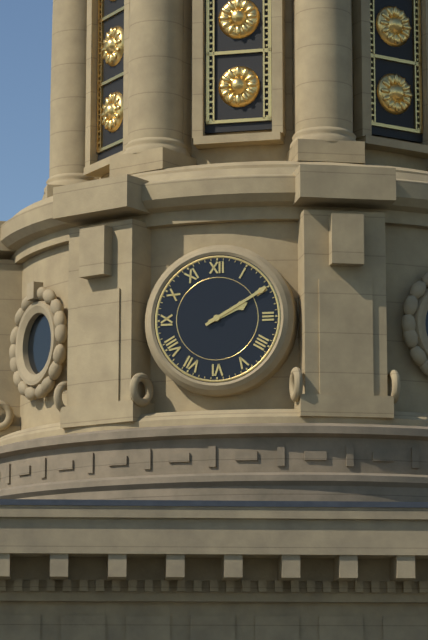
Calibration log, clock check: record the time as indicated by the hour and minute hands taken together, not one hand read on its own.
2:10
